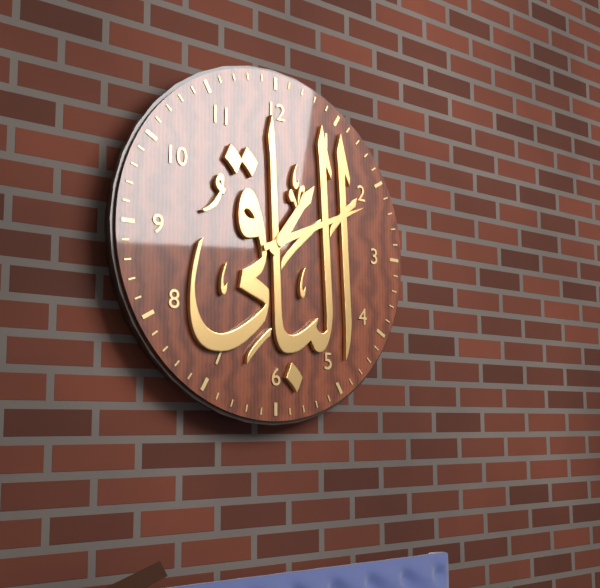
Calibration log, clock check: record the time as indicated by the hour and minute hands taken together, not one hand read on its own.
1:11
